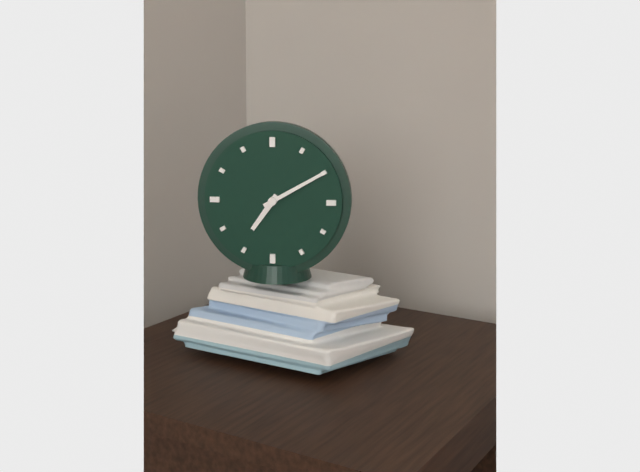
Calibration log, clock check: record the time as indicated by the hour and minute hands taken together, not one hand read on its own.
7:10
